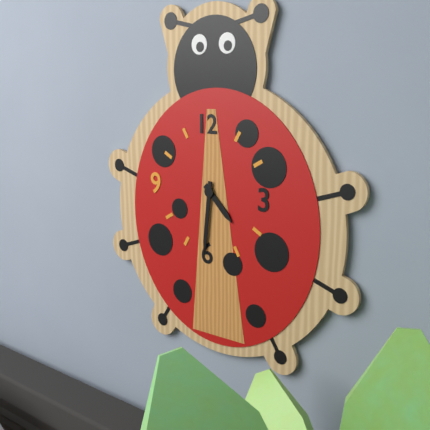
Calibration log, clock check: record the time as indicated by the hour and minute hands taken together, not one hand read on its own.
4:31
